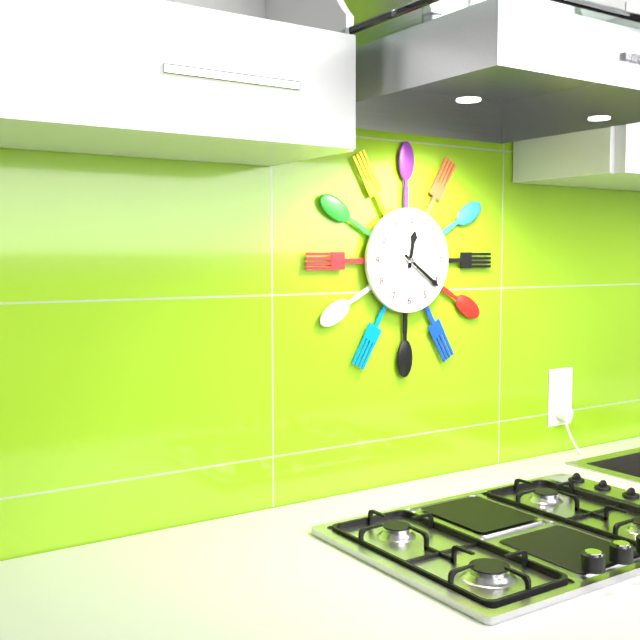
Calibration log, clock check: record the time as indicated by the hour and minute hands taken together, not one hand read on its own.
12:21
